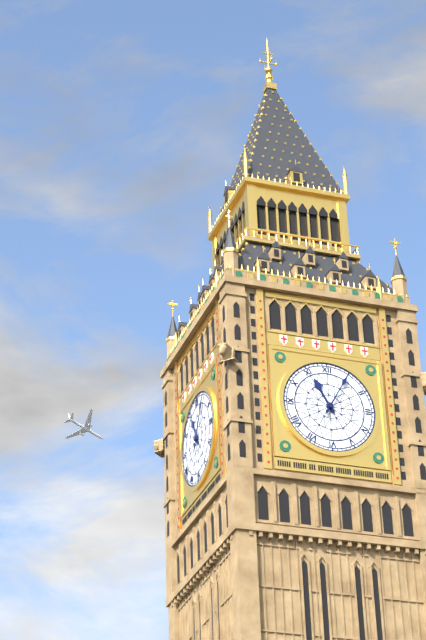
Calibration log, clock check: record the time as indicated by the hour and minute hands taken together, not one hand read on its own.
11:05
